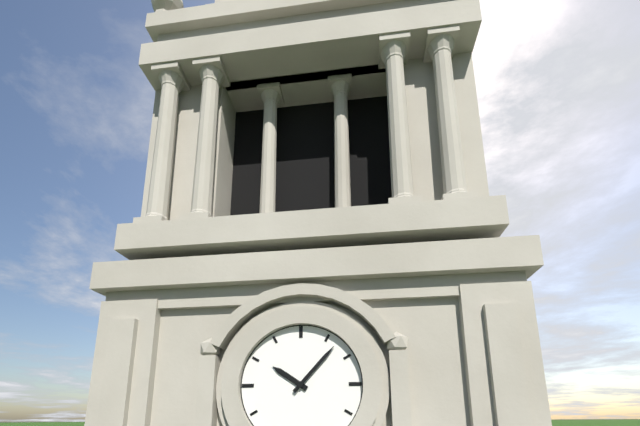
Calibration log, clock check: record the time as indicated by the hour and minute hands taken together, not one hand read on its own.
10:07
